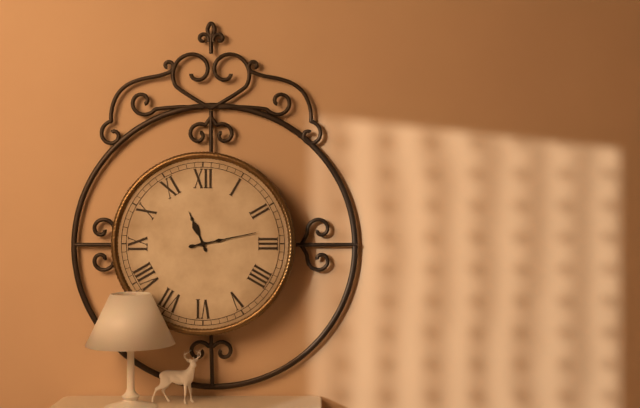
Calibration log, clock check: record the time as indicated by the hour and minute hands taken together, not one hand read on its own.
11:13
